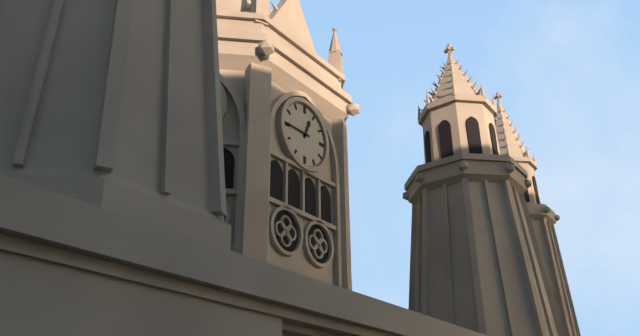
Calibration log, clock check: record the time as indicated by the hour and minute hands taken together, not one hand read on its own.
12:45
